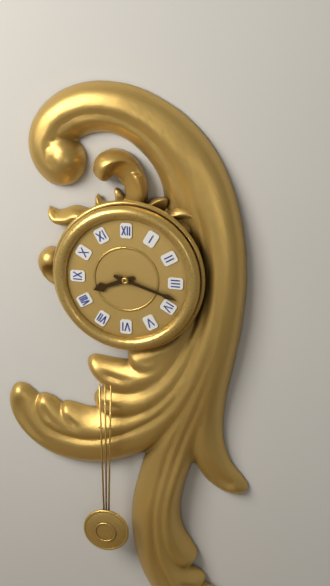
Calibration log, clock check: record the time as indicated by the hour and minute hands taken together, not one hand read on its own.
8:18
